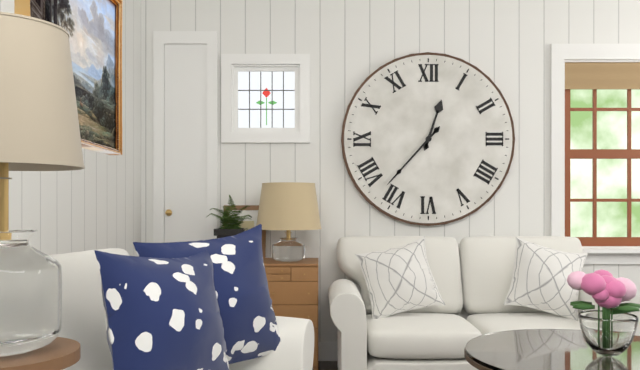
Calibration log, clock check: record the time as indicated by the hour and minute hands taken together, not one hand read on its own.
12:37
